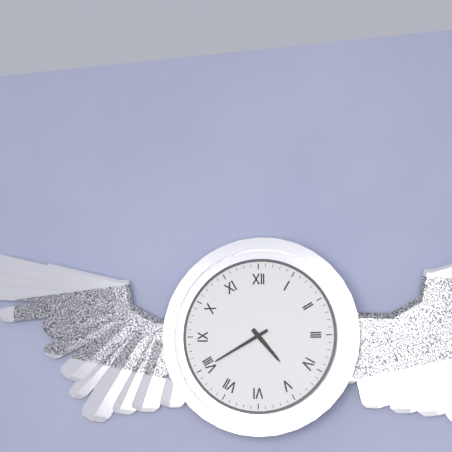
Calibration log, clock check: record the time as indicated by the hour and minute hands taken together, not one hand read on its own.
4:40
